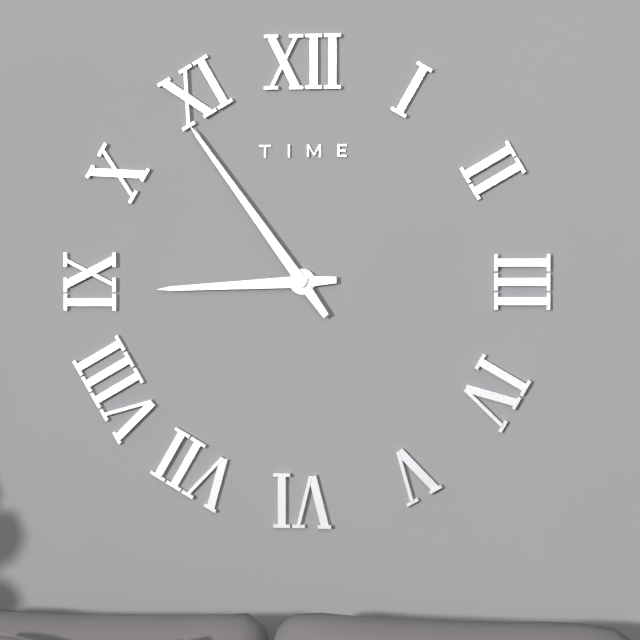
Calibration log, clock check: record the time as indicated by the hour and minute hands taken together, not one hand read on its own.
8:54
